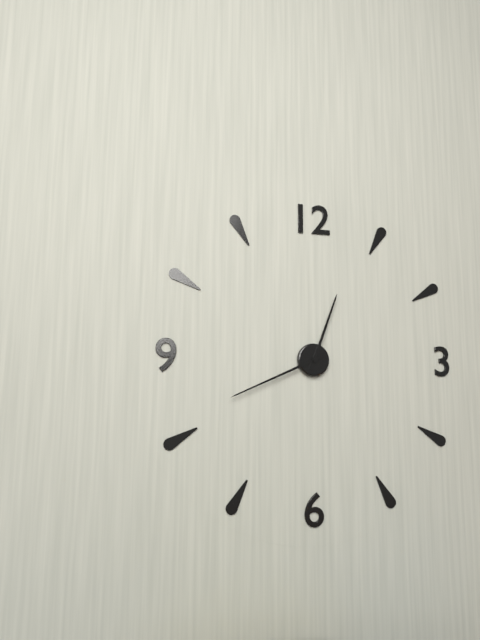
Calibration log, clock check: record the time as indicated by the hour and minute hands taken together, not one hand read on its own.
12:41
